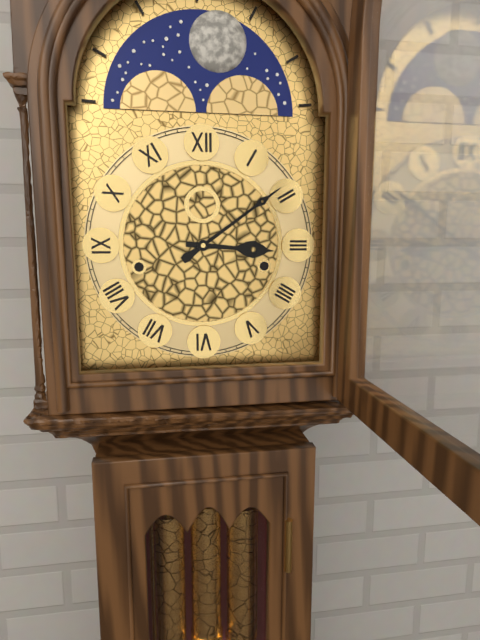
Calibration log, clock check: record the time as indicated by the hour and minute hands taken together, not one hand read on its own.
3:09
